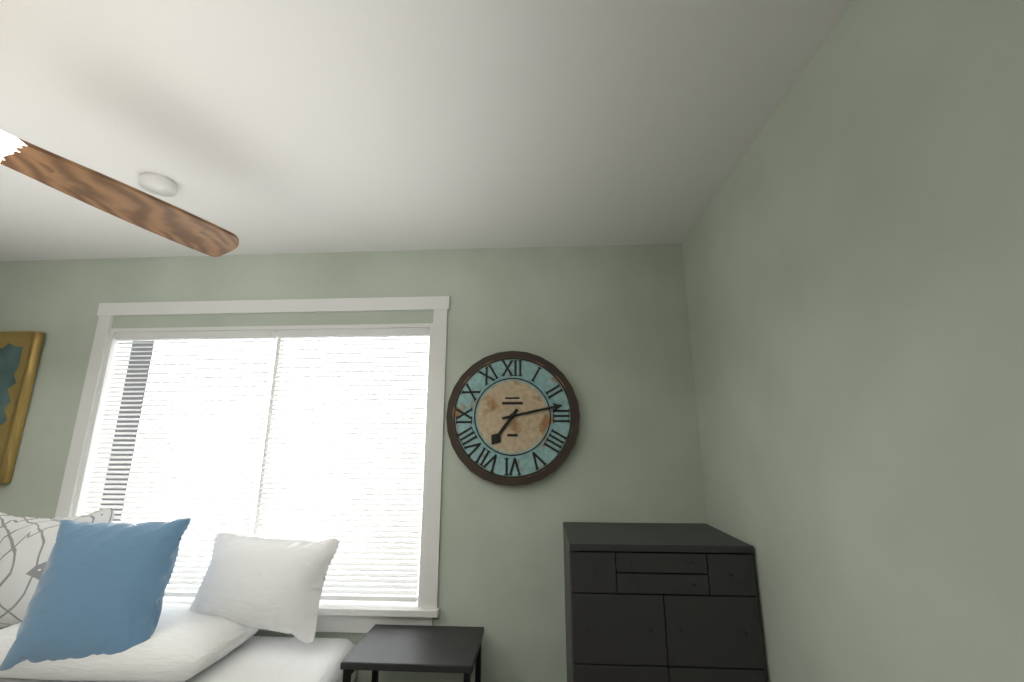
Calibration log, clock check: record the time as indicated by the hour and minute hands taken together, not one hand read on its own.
7:13
